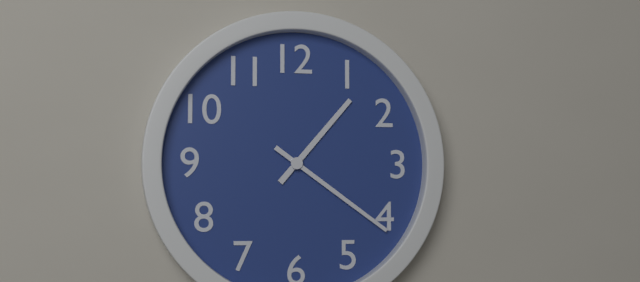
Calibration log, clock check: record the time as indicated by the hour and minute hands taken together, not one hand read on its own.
1:21
